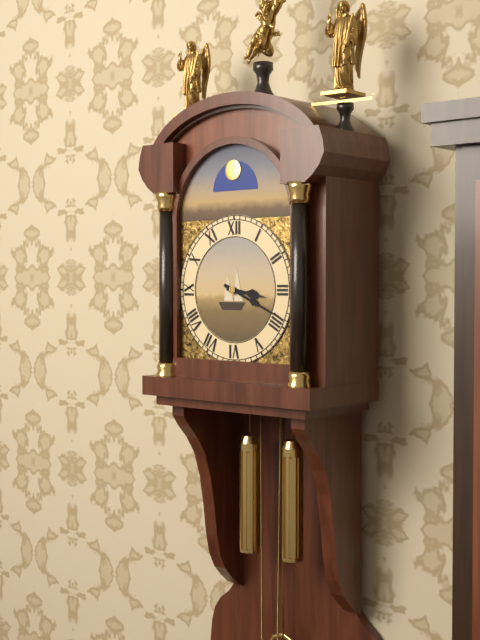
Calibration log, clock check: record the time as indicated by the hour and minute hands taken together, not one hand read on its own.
3:19
